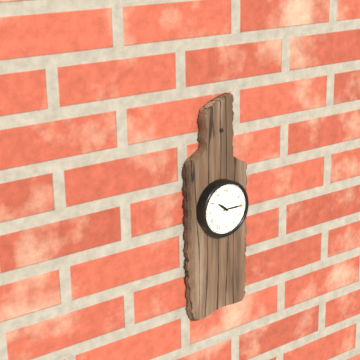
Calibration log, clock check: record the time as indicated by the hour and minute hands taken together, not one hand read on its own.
10:15
